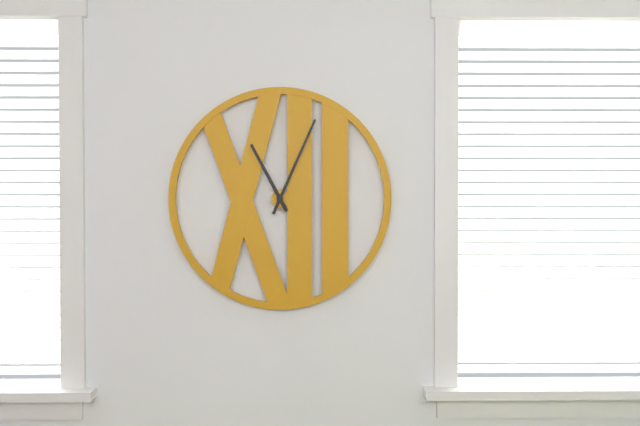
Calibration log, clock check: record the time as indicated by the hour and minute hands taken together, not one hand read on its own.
11:04
